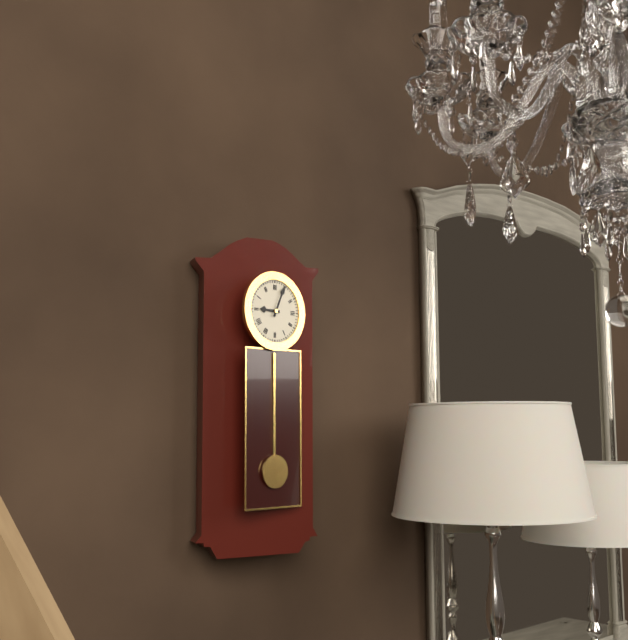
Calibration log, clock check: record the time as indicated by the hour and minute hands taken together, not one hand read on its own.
9:04
